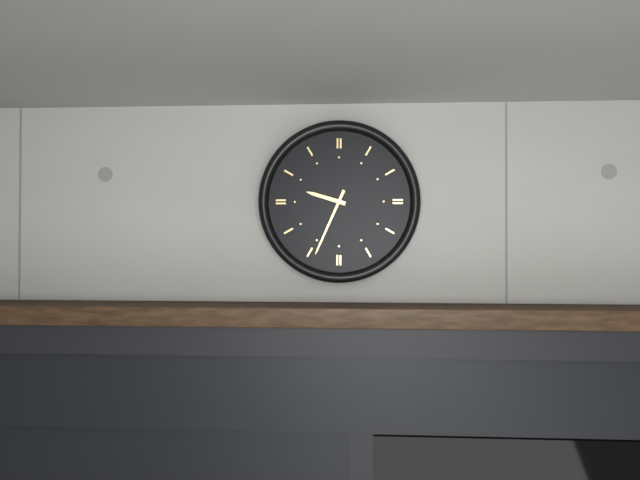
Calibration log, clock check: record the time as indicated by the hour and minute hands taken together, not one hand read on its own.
9:34
